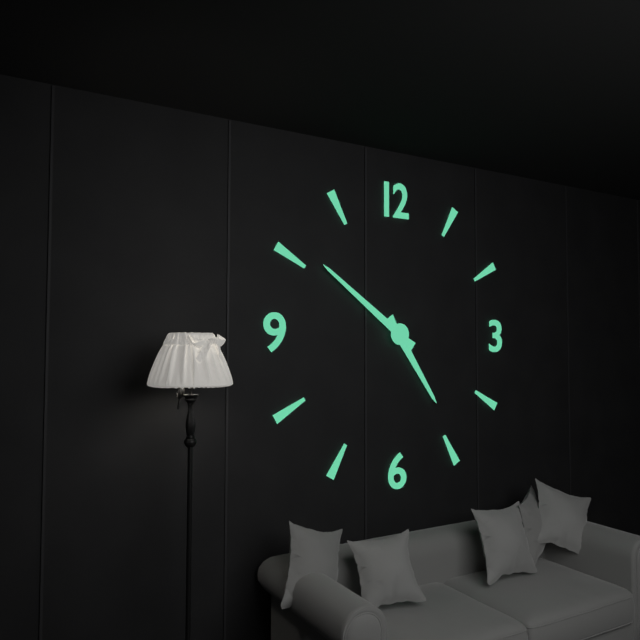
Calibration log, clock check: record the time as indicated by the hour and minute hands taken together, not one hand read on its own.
4:51
